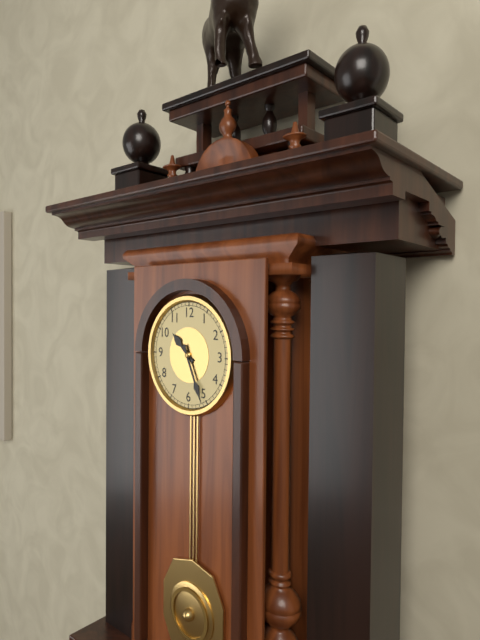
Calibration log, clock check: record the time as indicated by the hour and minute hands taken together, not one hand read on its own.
10:26
